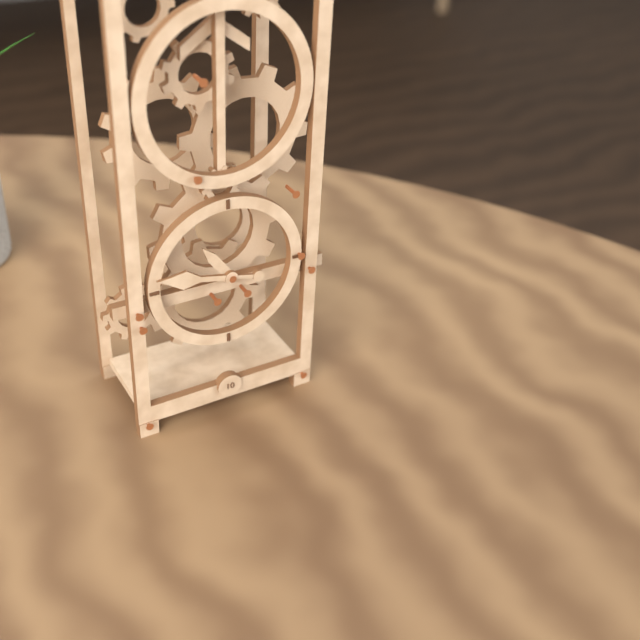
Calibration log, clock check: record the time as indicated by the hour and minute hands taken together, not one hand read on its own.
10:47
